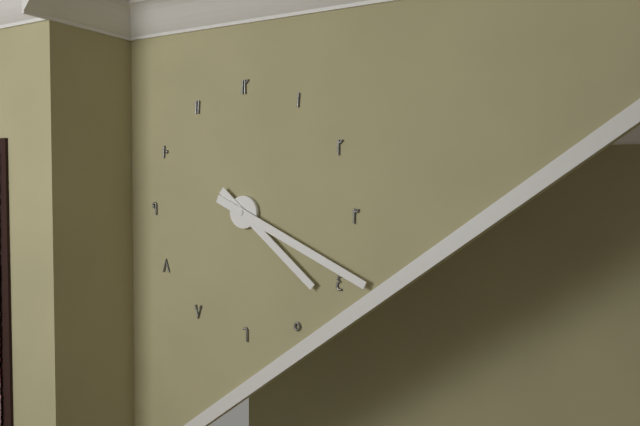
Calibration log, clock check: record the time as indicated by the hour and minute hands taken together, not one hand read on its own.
4:19
